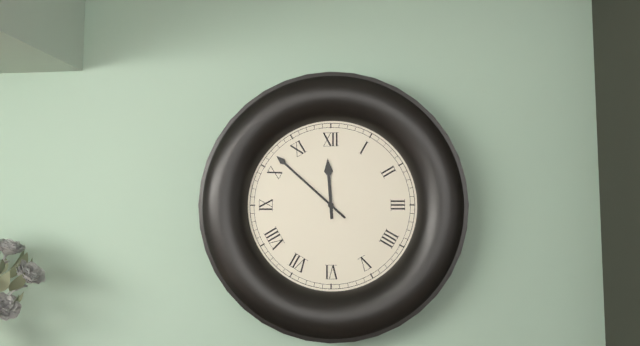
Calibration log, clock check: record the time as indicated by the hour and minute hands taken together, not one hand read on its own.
11:52
